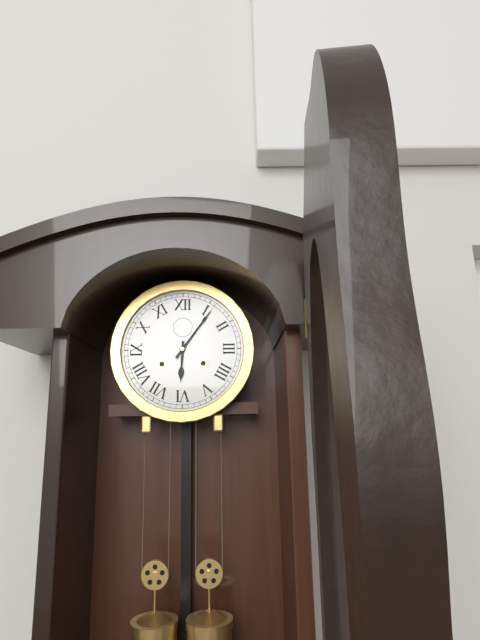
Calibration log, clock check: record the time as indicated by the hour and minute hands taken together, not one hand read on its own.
6:06
